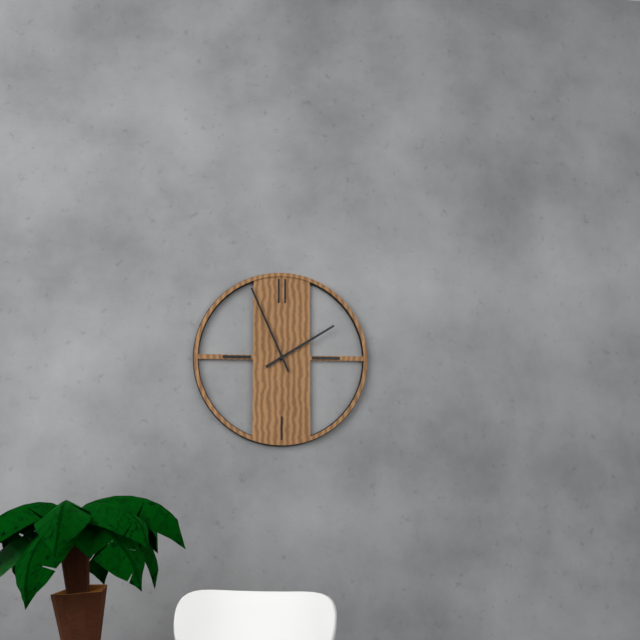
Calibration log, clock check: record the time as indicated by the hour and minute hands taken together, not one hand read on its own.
1:56
